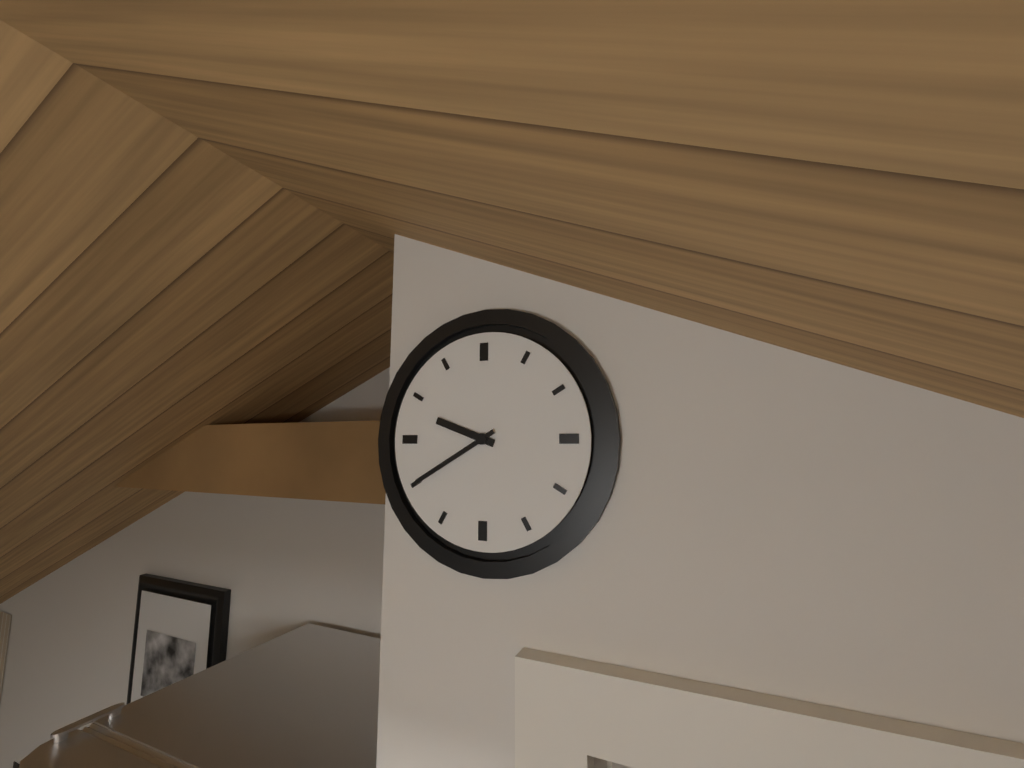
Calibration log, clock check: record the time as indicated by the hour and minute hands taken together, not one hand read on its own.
9:40
